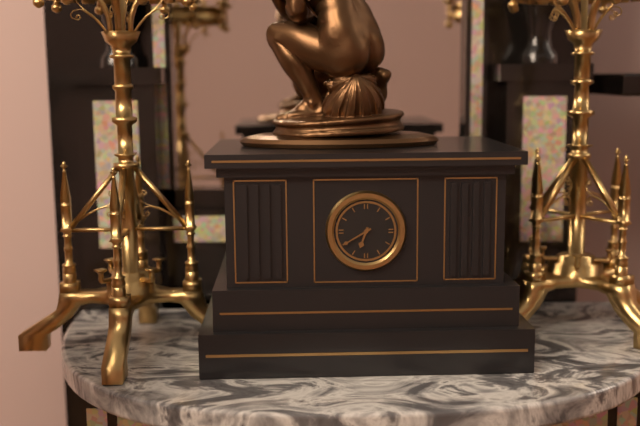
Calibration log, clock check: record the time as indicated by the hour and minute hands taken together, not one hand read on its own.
6:40
